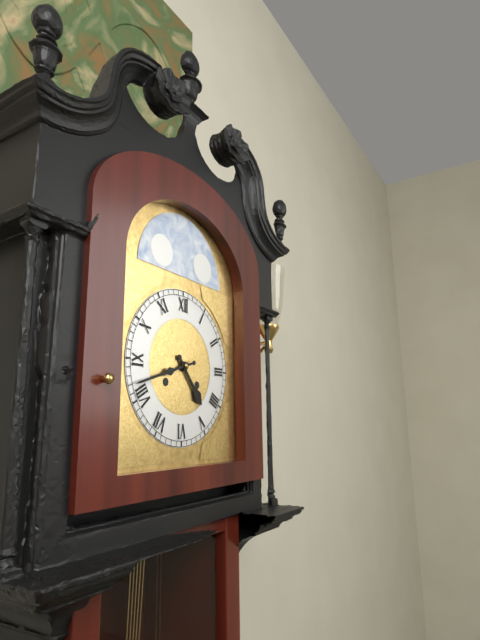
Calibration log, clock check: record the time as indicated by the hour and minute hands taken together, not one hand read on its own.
4:42
